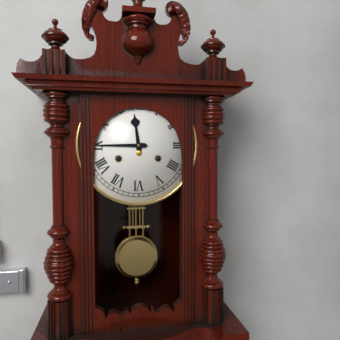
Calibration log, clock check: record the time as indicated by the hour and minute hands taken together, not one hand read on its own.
11:45
